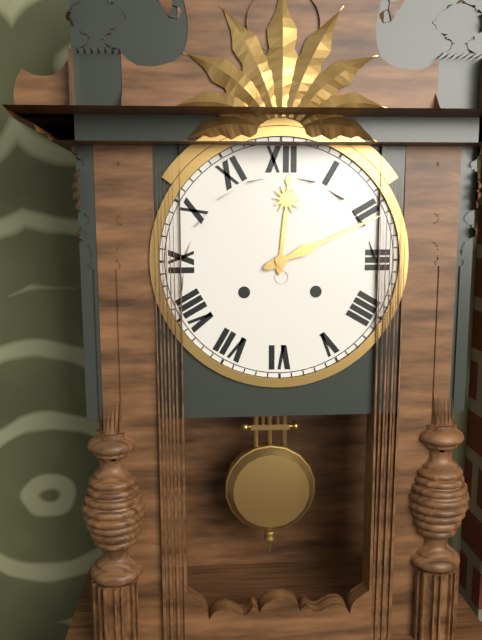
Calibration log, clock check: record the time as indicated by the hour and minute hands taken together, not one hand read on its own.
12:11
